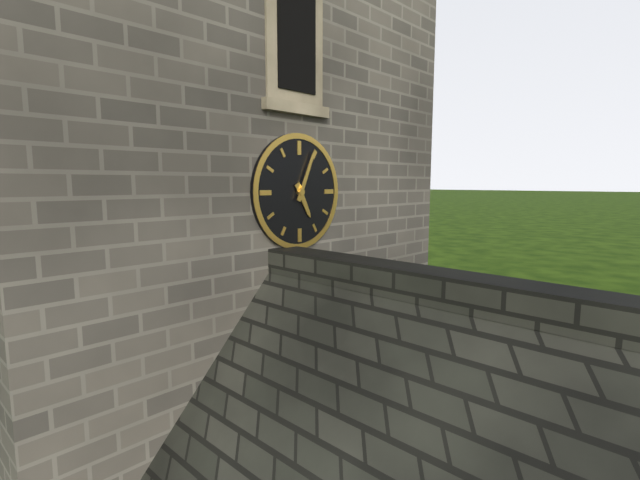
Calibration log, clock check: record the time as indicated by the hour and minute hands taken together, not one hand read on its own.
5:04
